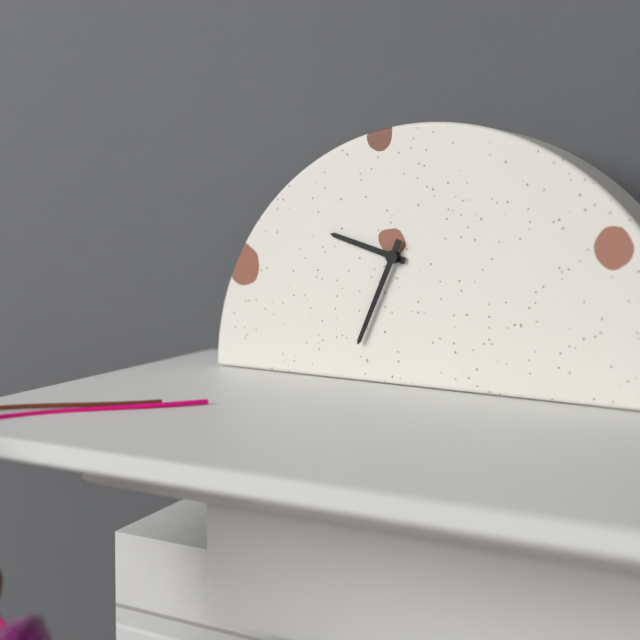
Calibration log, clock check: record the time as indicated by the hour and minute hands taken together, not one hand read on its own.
9:34
